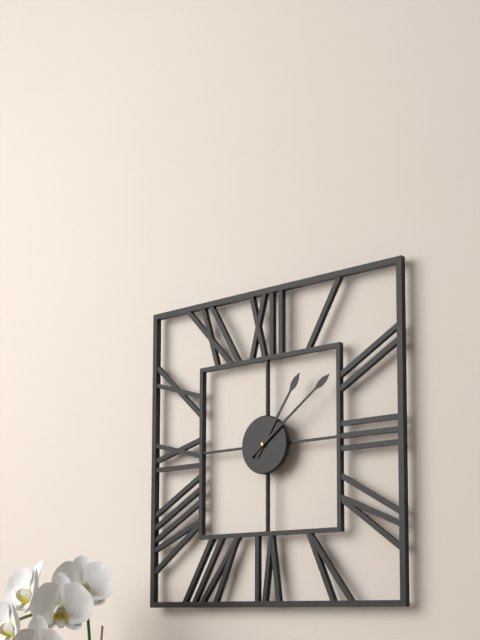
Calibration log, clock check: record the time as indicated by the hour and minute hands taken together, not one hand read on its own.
1:09
